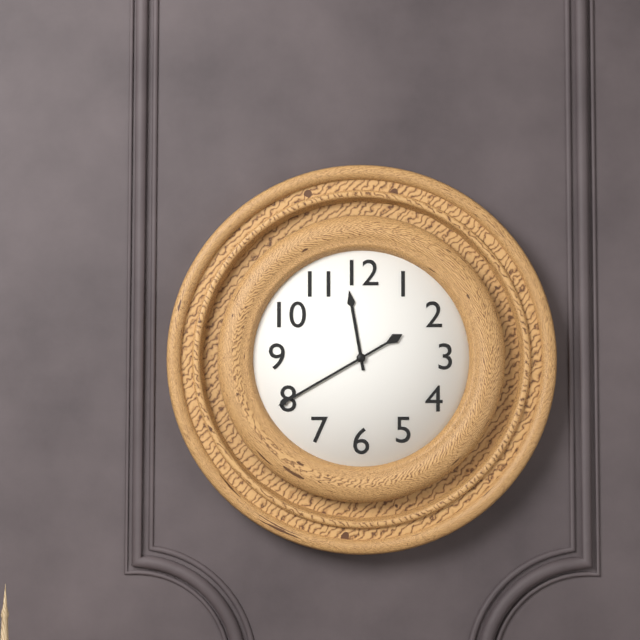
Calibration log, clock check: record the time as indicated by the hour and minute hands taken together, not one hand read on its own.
11:40
